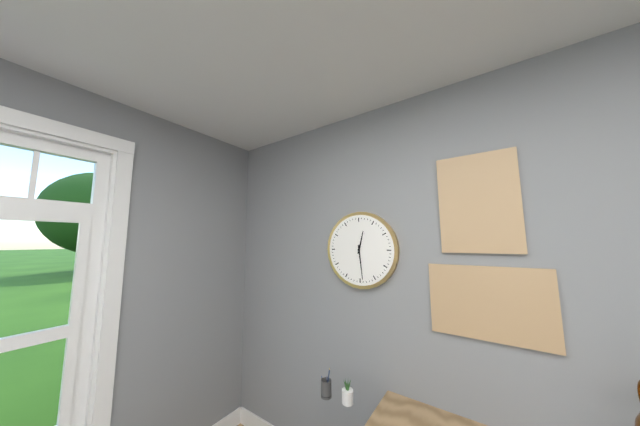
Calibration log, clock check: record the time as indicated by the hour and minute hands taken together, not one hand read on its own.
12:29
